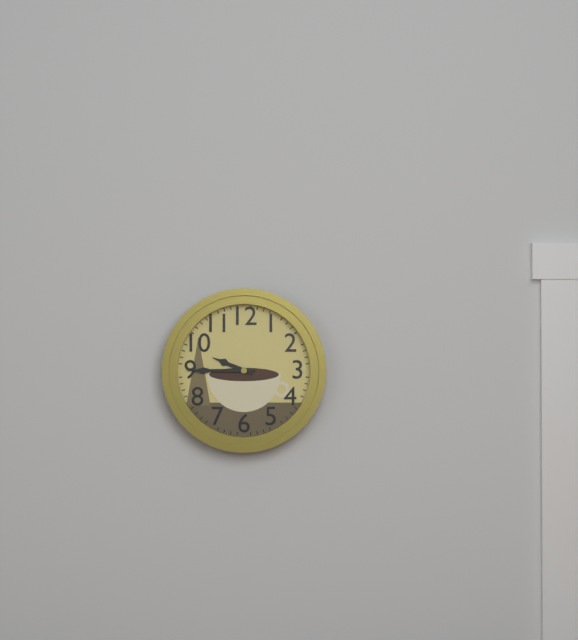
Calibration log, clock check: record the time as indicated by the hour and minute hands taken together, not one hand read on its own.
9:45
